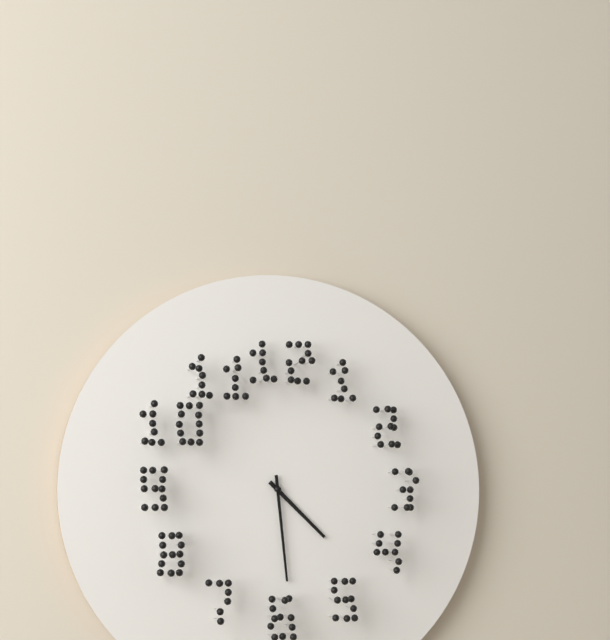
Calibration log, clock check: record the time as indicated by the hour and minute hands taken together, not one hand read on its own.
4:29
